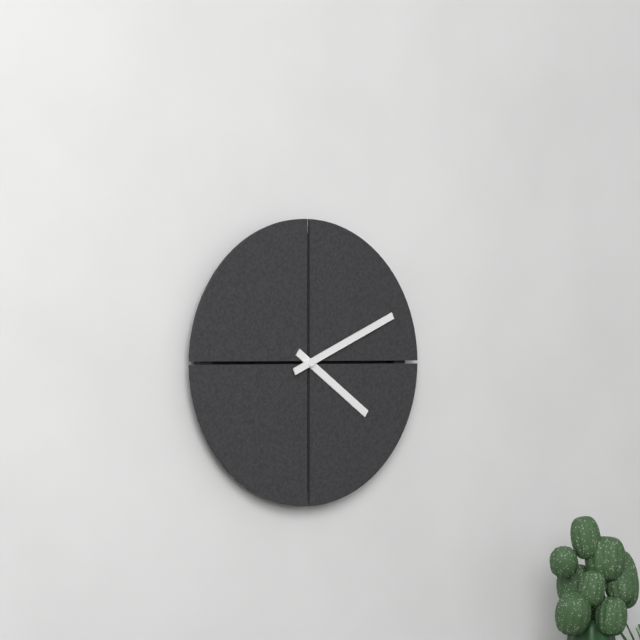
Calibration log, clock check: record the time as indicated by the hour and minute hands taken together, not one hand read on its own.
4:11
